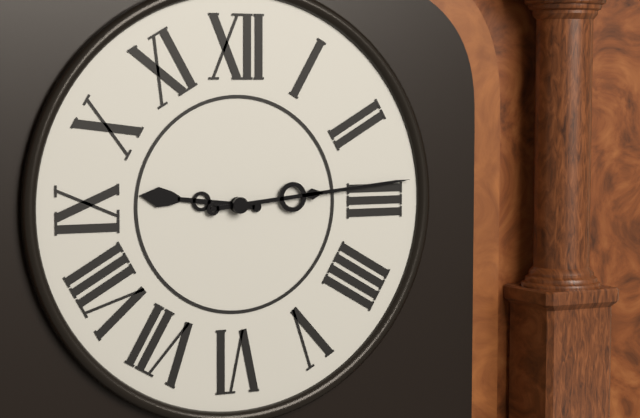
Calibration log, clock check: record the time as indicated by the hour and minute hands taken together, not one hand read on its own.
9:14
